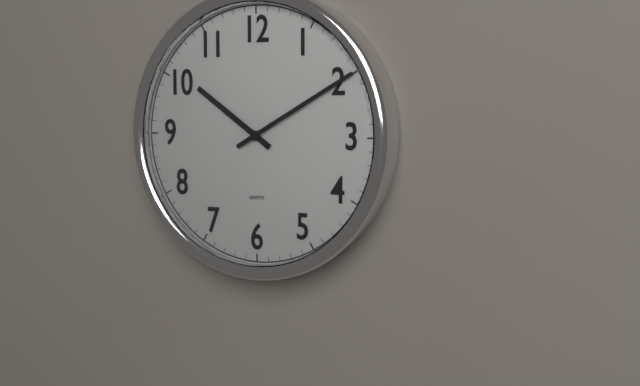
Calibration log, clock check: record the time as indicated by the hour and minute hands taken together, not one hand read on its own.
10:10
